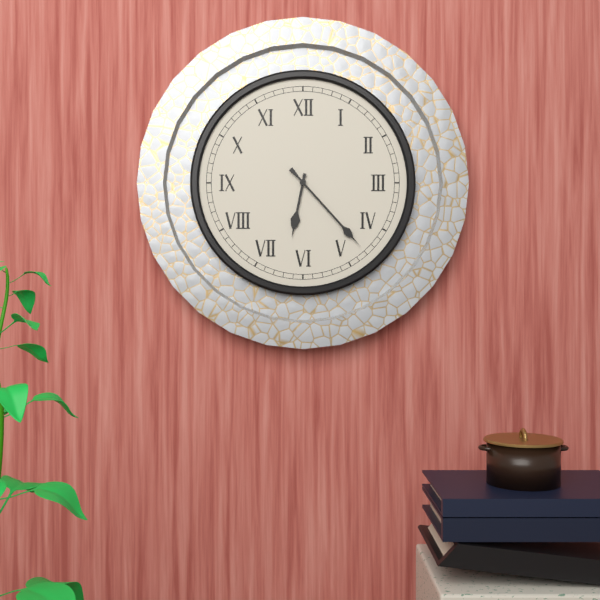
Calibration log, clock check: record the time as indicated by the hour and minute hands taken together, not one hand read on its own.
6:23
